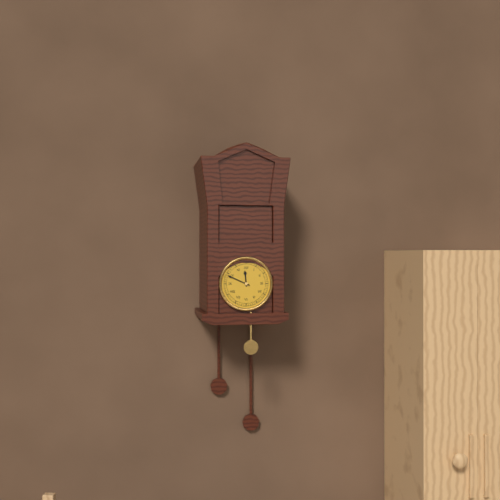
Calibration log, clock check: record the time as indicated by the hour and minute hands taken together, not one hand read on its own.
11:49
